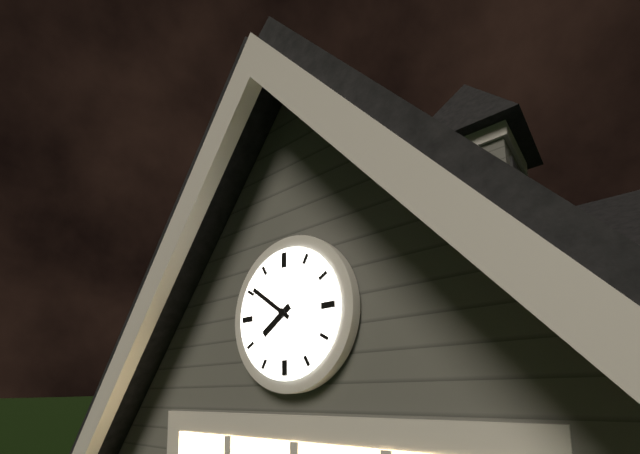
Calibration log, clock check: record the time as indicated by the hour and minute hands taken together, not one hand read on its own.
7:51
